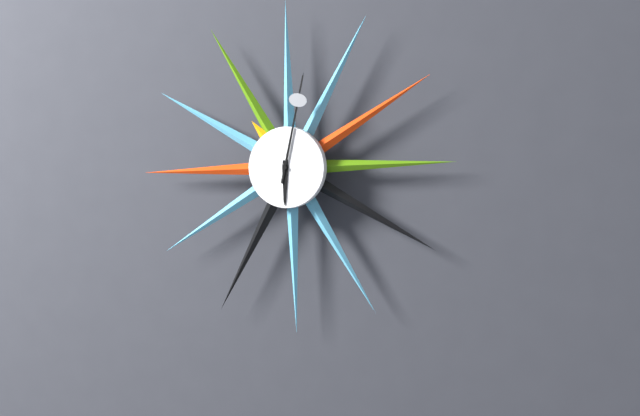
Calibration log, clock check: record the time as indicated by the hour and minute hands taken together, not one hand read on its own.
6:02
